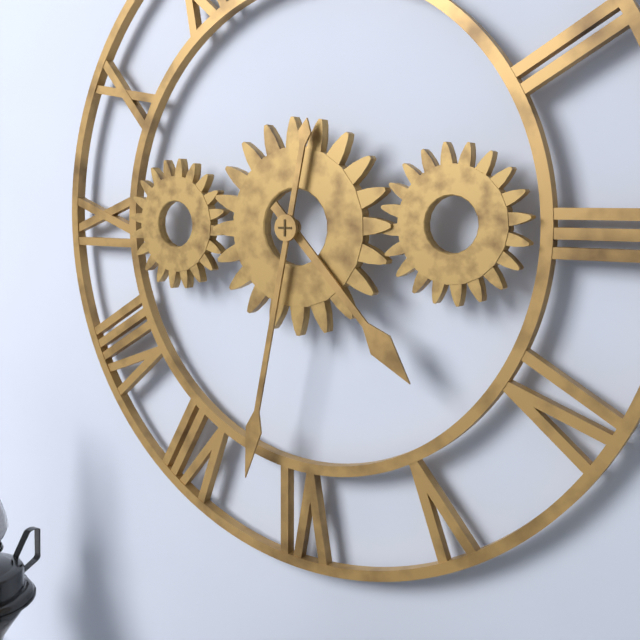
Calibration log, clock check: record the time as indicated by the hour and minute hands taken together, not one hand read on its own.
4:32
